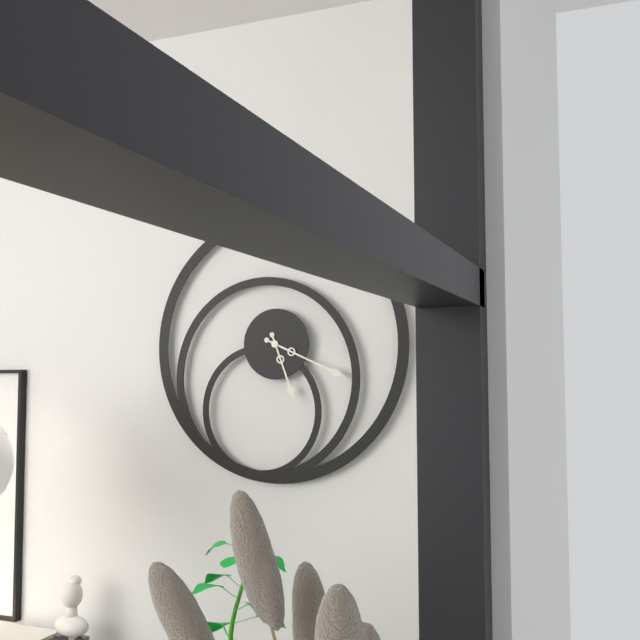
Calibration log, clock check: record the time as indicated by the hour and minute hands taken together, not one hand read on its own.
5:19
